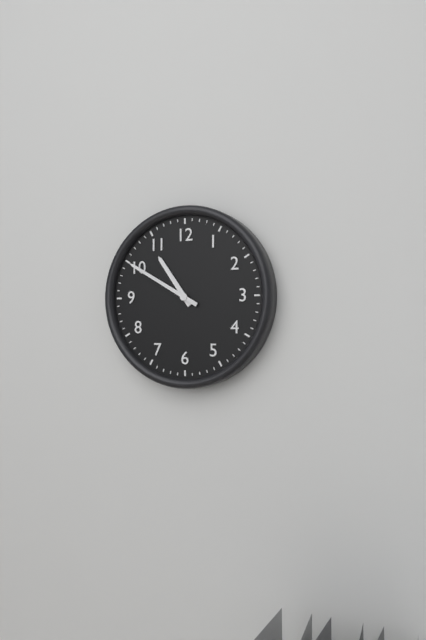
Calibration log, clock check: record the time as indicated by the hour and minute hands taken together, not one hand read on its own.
10:50
